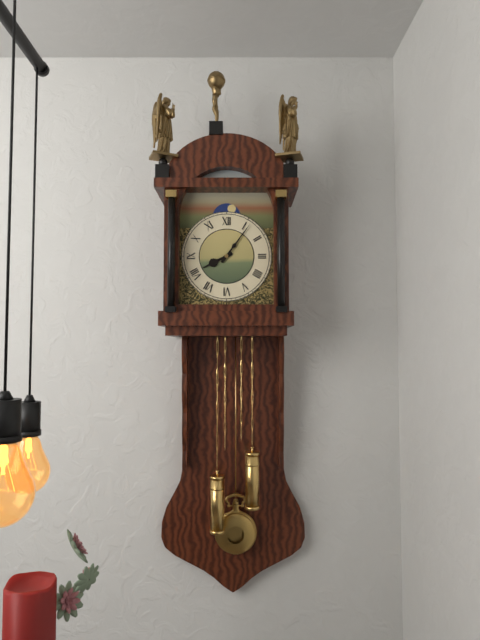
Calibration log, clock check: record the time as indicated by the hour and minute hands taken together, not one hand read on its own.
8:06
